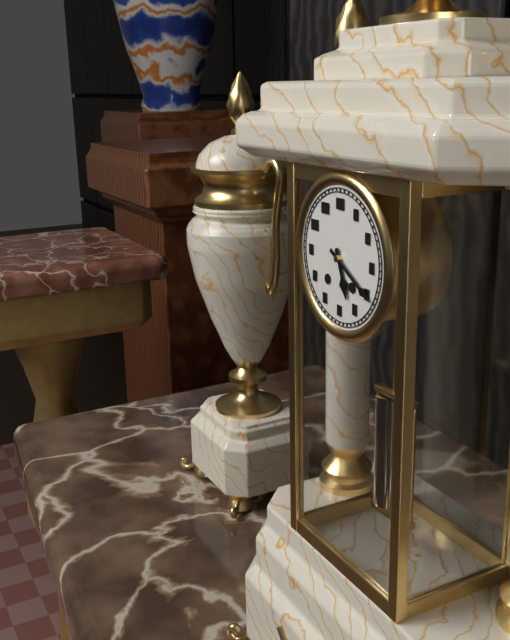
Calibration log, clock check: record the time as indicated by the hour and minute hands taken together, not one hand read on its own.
5:20
